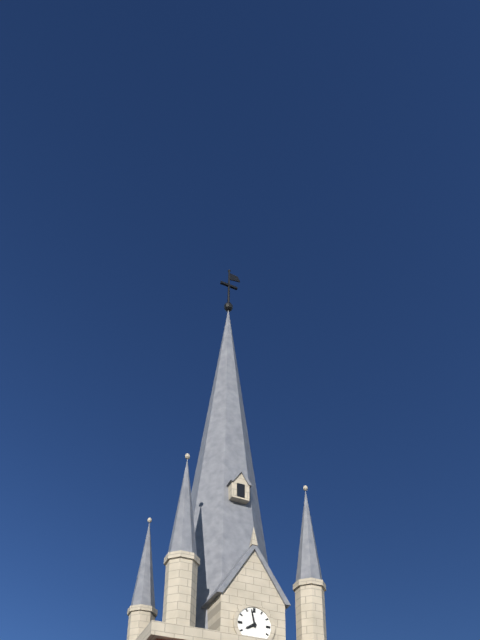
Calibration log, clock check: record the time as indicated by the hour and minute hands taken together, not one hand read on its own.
7:58
